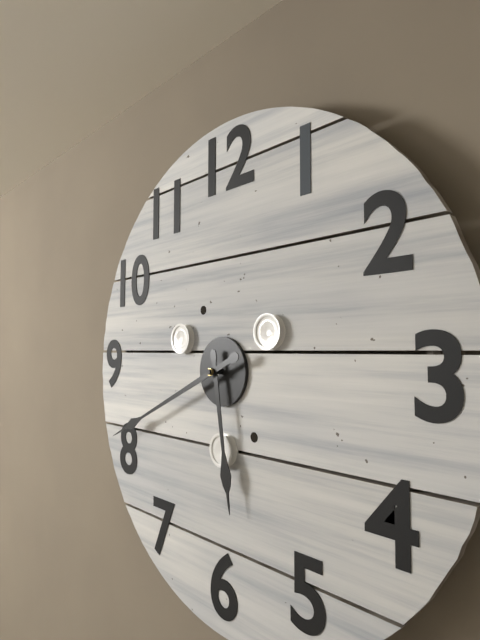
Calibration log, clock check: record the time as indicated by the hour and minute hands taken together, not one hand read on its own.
5:41
